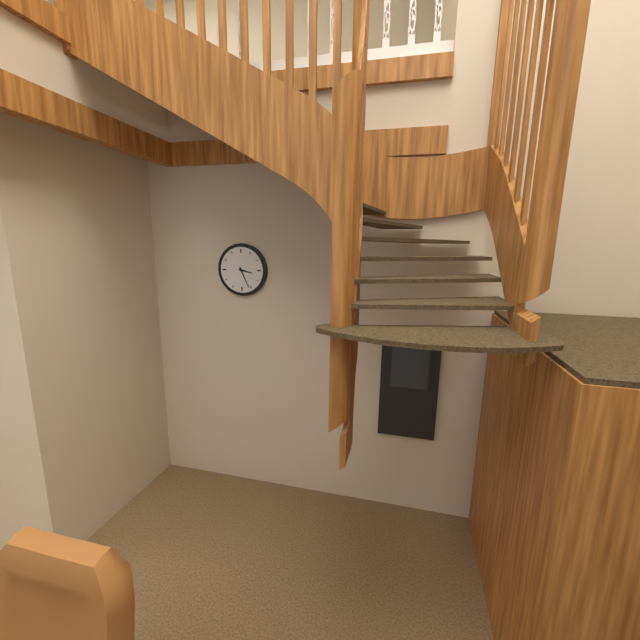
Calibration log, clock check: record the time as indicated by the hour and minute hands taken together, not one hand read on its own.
3:26
